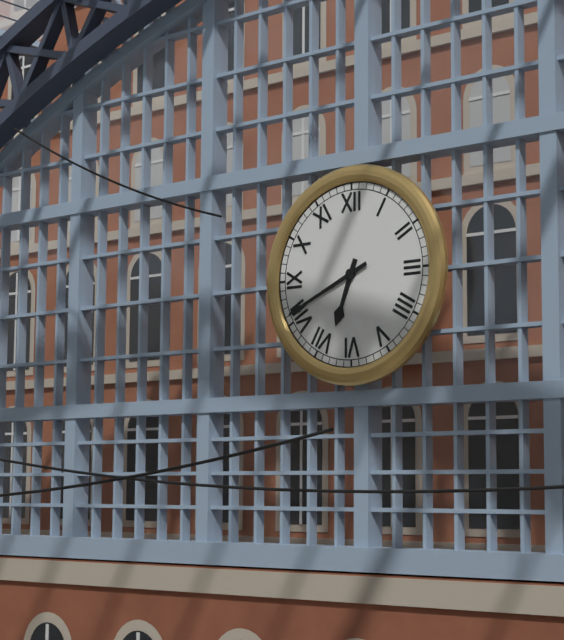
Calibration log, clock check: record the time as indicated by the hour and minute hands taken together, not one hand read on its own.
6:41
